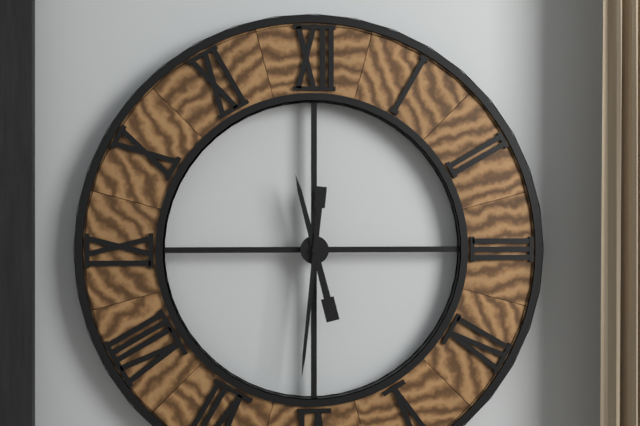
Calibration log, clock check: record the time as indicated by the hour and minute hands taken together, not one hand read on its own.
11:31
